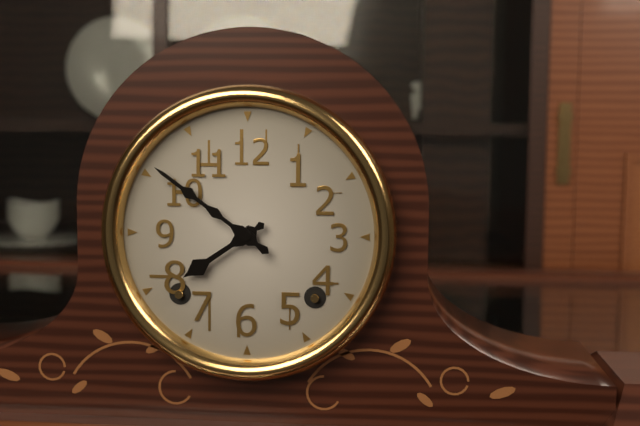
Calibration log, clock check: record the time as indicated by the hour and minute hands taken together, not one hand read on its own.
7:51
